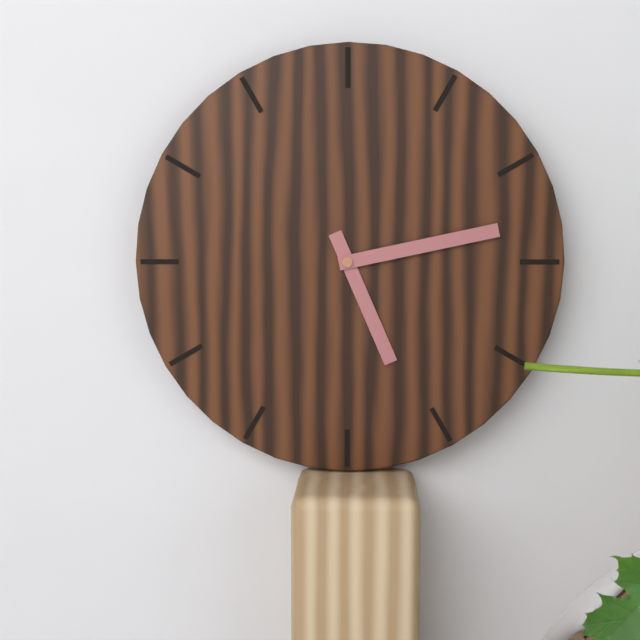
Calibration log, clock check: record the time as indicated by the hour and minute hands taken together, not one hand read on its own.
5:13
